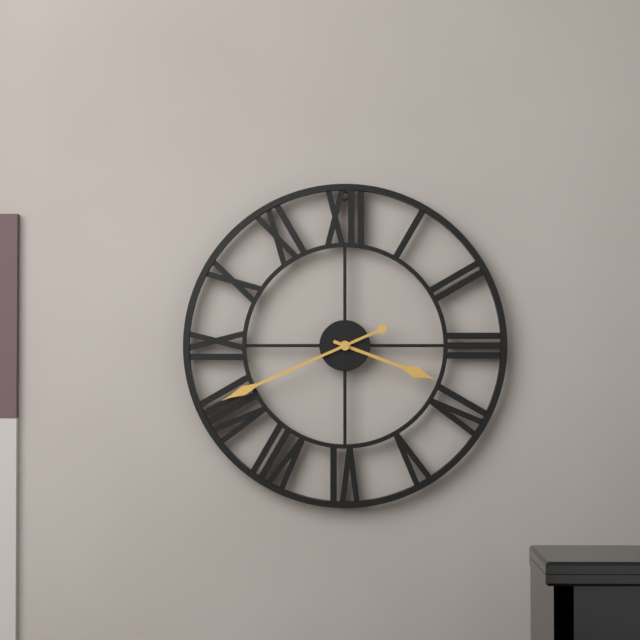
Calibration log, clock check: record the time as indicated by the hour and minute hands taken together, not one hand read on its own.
3:41
